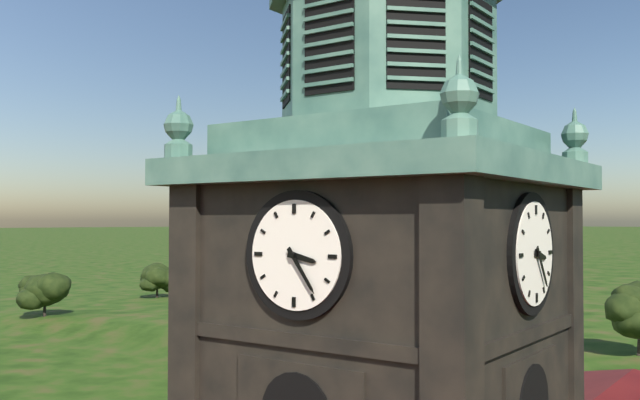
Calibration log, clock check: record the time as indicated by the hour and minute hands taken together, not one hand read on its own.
3:24
